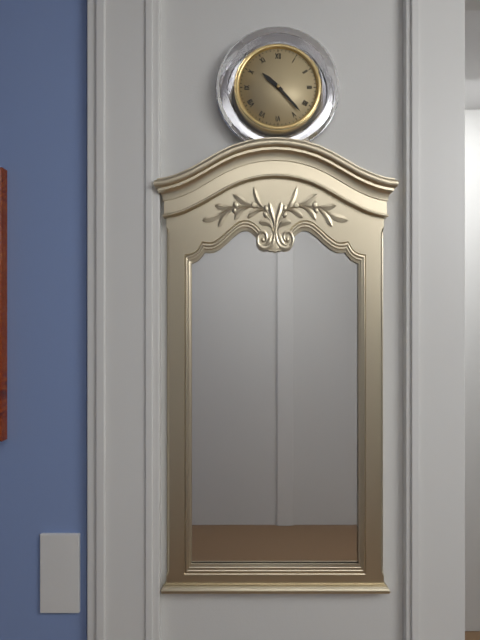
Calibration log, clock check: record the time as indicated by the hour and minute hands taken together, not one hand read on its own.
10:23
